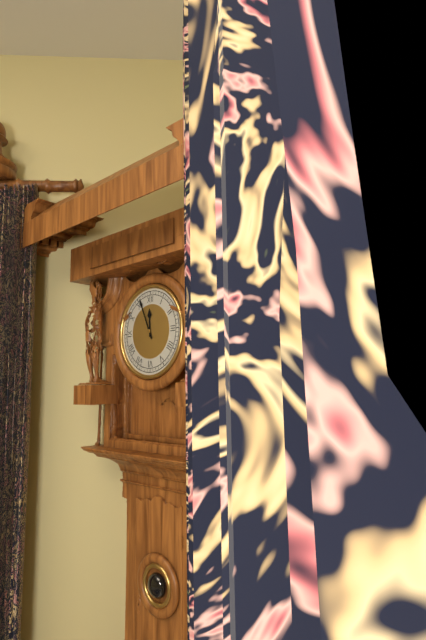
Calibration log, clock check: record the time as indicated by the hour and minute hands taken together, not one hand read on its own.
11:56
